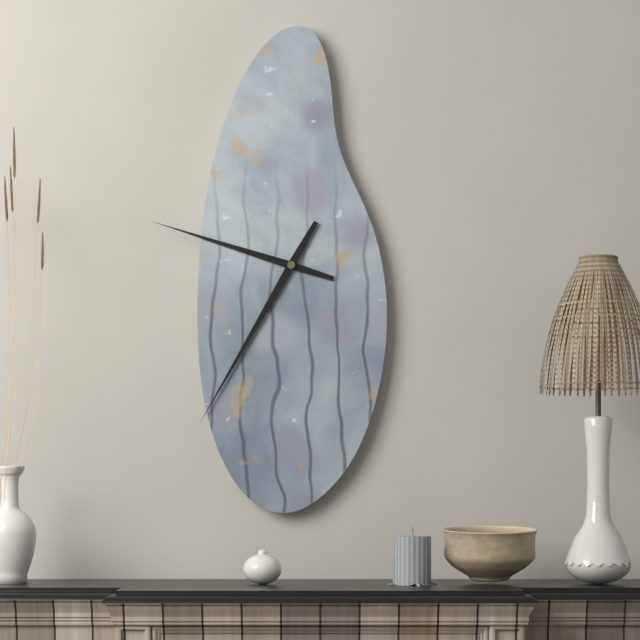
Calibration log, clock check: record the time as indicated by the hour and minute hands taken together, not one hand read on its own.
9:35
